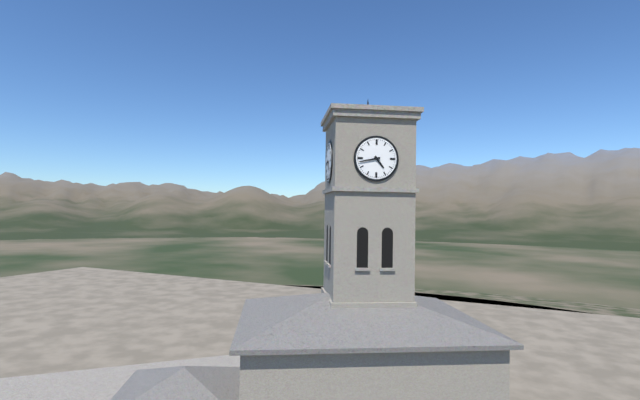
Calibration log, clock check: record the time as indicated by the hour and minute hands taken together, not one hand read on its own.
4:43
